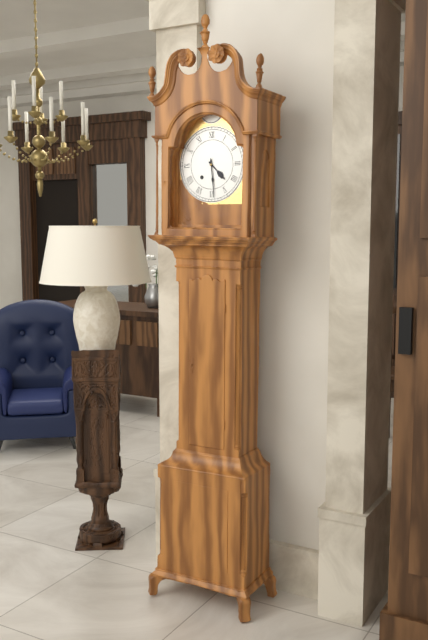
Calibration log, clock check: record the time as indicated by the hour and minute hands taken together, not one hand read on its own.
4:29
